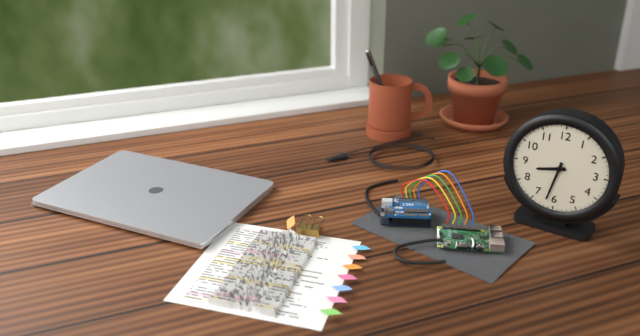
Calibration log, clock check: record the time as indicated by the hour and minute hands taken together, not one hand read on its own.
8:32
